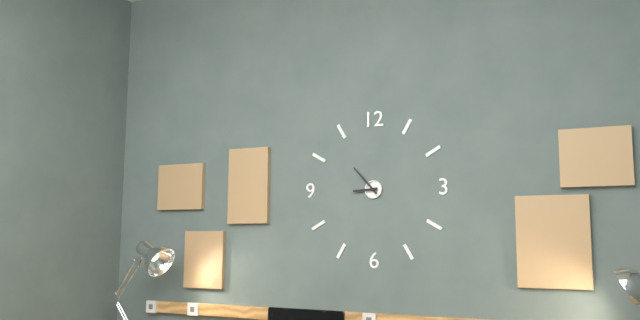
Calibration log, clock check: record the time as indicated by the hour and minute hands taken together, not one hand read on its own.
8:53
